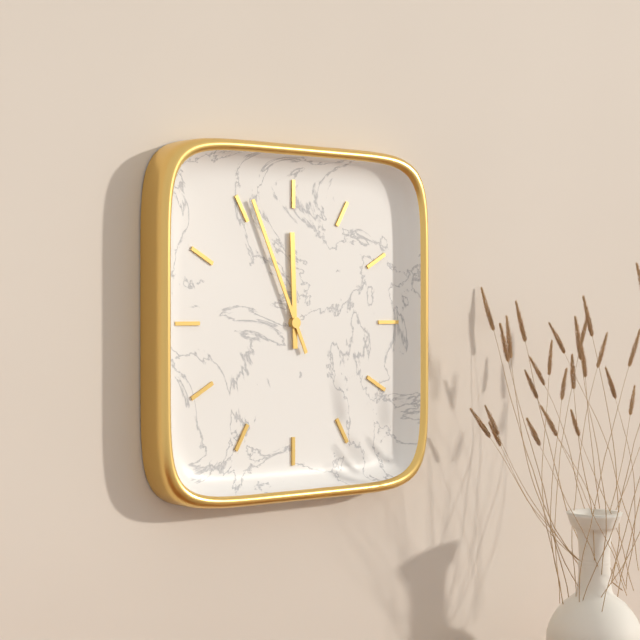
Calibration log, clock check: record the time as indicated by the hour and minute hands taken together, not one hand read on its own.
11:56
